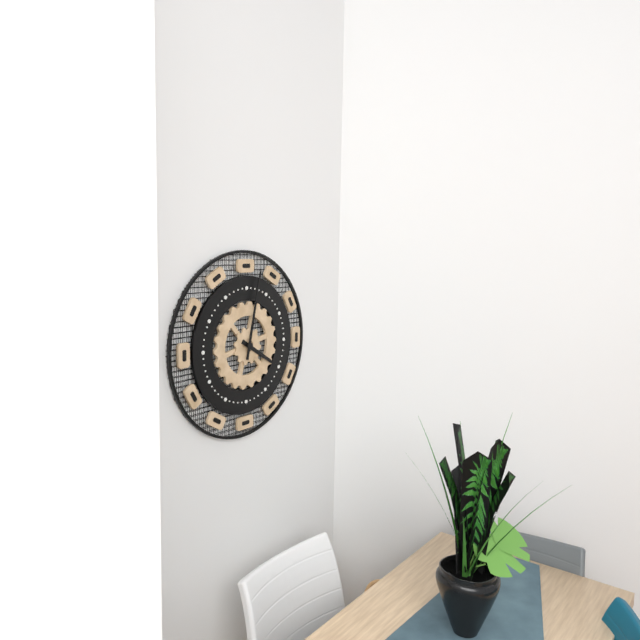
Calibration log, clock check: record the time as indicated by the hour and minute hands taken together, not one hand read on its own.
4:02
